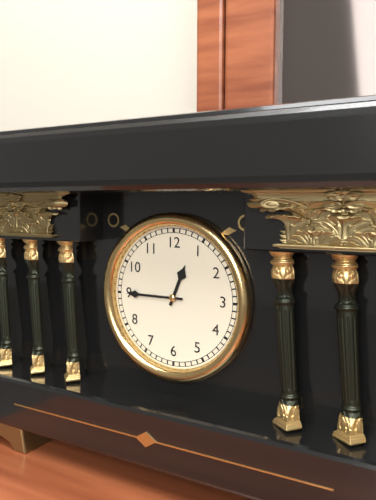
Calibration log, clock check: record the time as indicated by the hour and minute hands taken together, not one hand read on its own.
12:45
